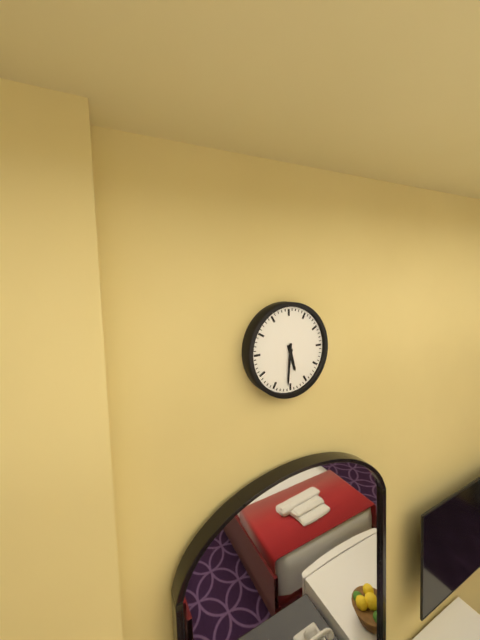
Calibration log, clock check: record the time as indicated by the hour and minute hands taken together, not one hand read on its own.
5:31
